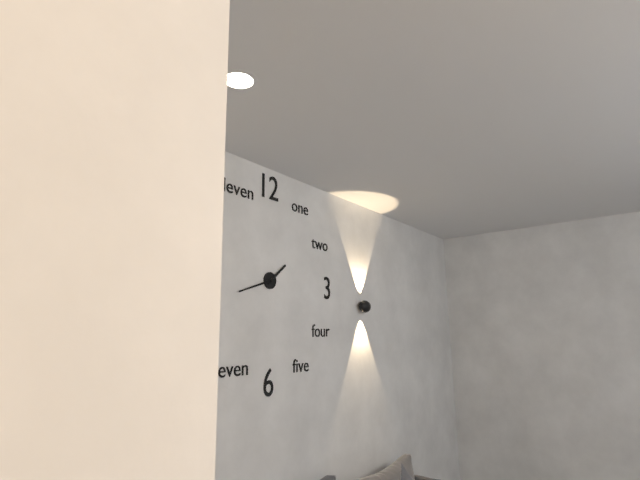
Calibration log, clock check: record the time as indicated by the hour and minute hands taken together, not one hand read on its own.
1:42
